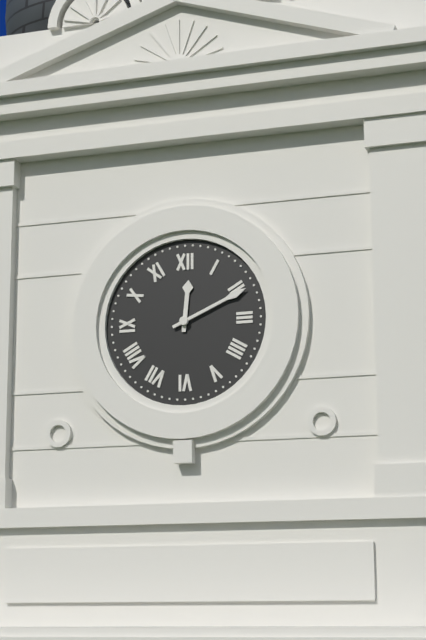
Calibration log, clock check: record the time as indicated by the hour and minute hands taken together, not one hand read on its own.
12:11
